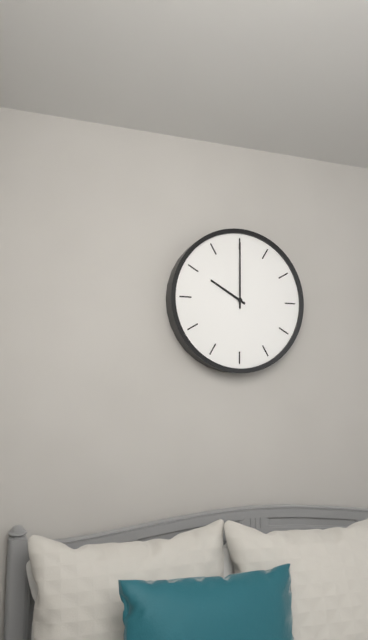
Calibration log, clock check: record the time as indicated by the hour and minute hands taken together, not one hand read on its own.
10:00
